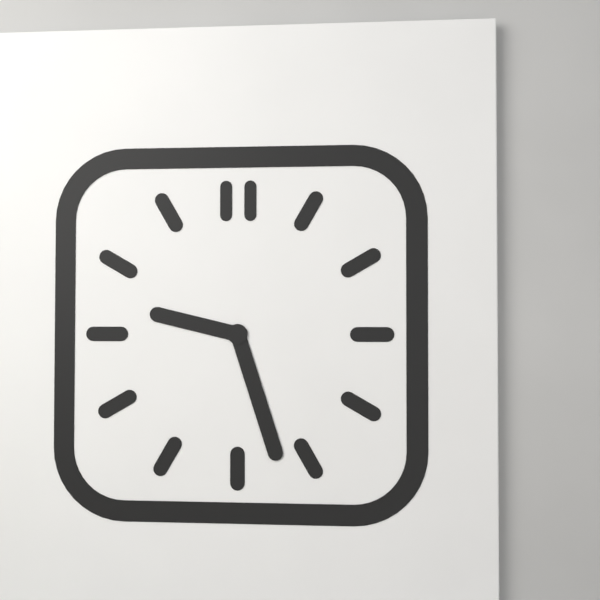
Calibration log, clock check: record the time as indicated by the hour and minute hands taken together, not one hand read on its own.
9:27
